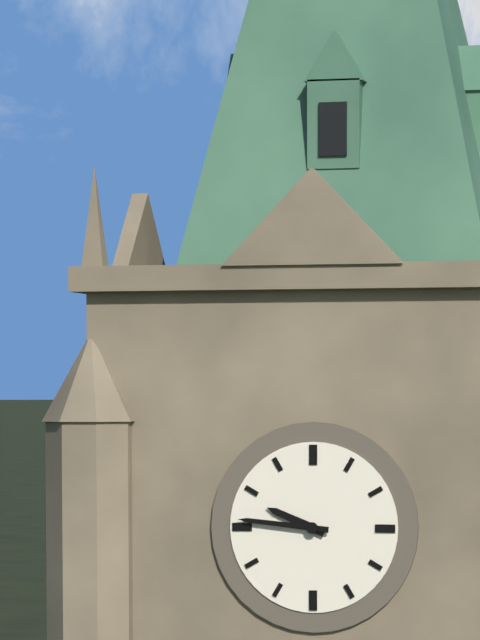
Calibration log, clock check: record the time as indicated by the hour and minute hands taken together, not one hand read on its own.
9:46
